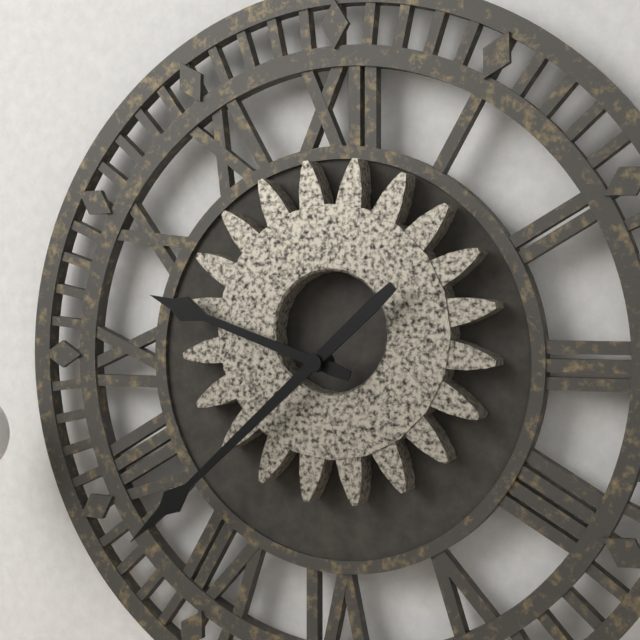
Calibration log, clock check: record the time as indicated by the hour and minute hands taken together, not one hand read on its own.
9:38
